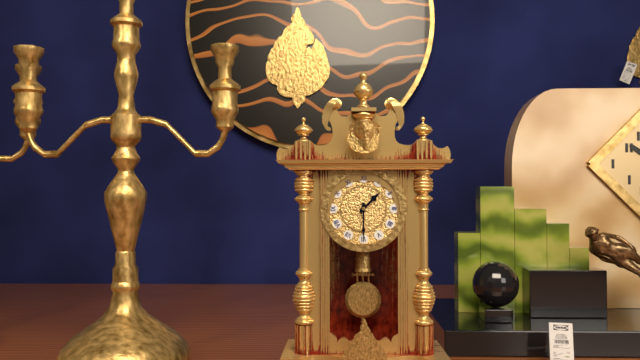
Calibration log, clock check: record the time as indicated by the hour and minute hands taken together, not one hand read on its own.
1:30
